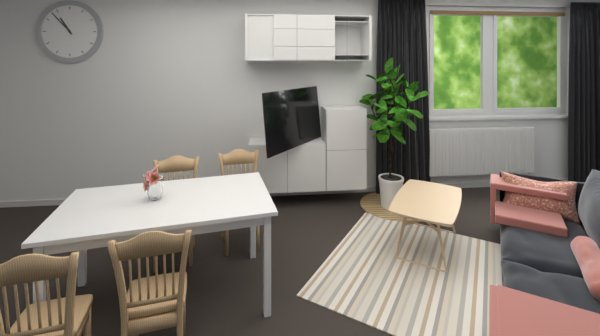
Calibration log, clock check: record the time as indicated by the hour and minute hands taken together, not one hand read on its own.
10:53
